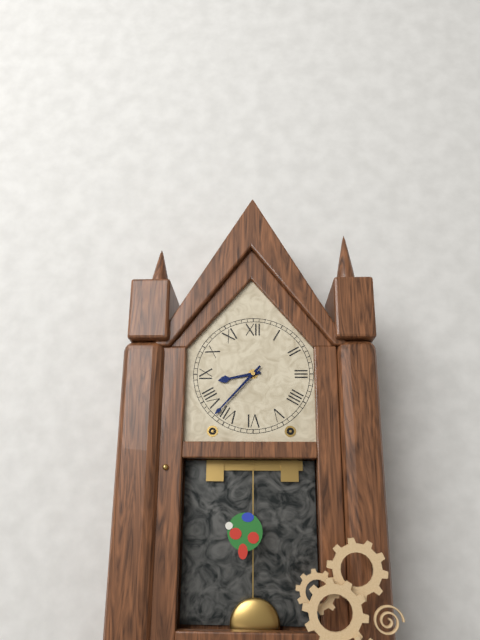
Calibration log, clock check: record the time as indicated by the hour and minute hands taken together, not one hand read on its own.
8:37
